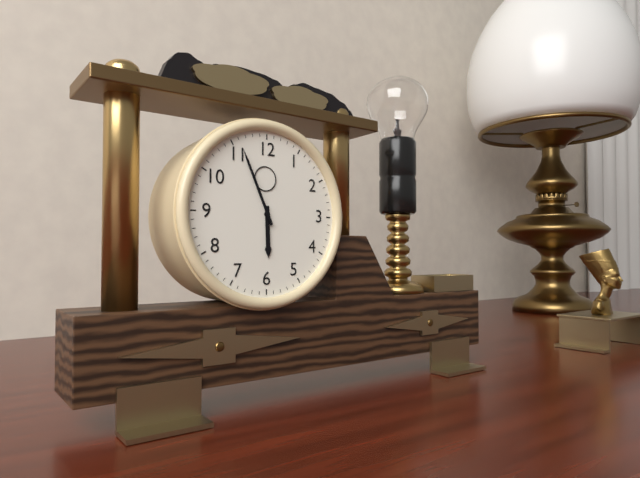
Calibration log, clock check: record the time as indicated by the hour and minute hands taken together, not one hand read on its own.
5:56
